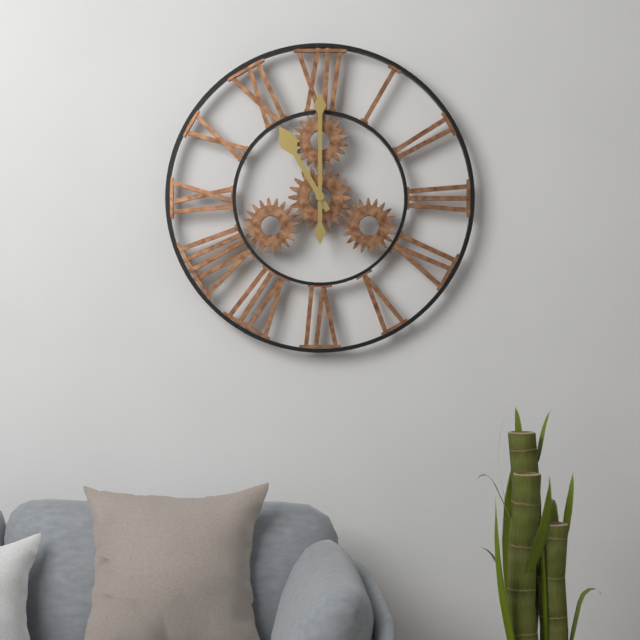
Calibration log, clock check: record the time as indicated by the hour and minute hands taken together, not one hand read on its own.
11:00
